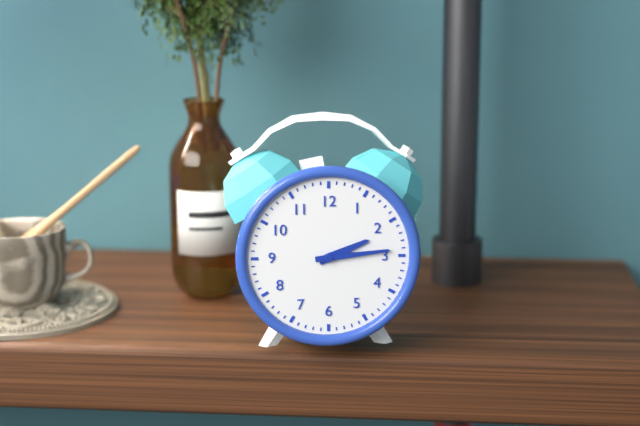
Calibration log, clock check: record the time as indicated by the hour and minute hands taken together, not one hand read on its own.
2:14
